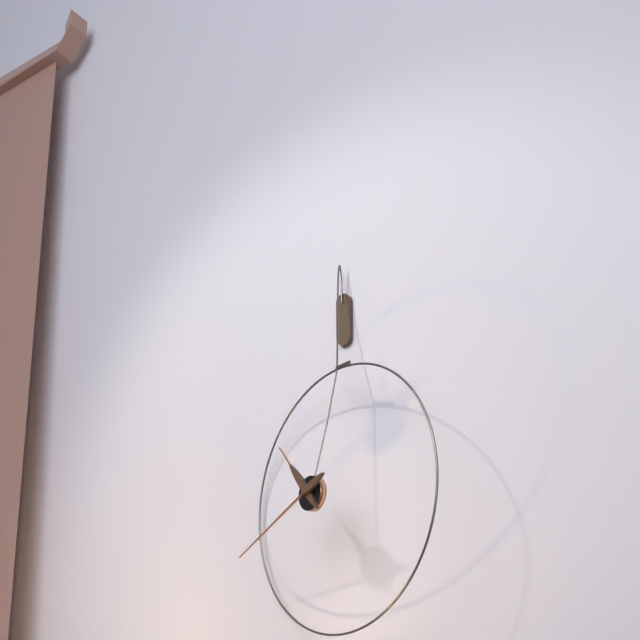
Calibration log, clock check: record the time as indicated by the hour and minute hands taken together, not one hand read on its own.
10:41
